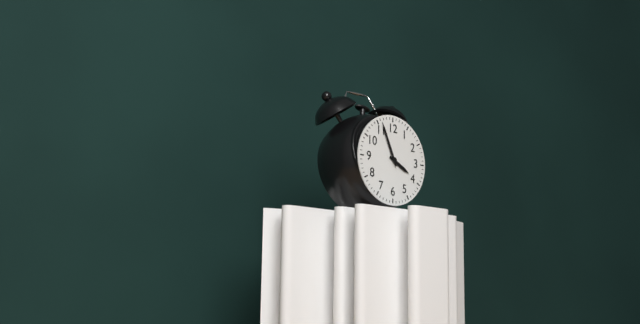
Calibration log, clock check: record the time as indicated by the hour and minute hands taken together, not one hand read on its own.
3:56
